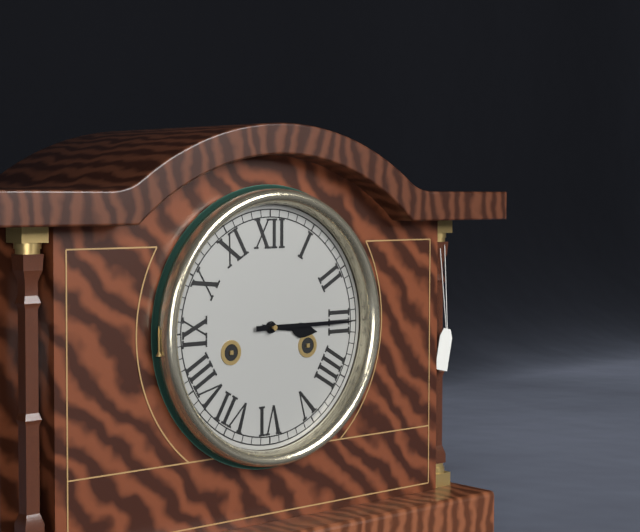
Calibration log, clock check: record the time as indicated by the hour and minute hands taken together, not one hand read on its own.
3:15
